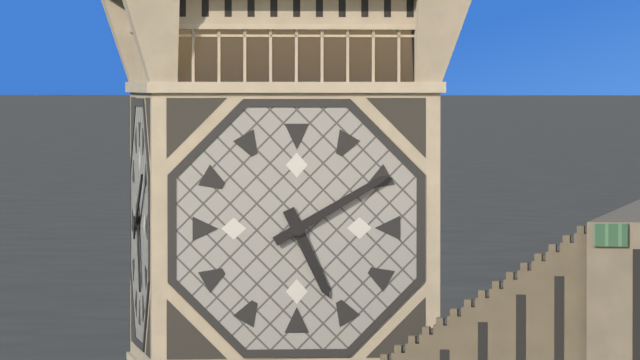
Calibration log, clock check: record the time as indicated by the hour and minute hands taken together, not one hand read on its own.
5:10
